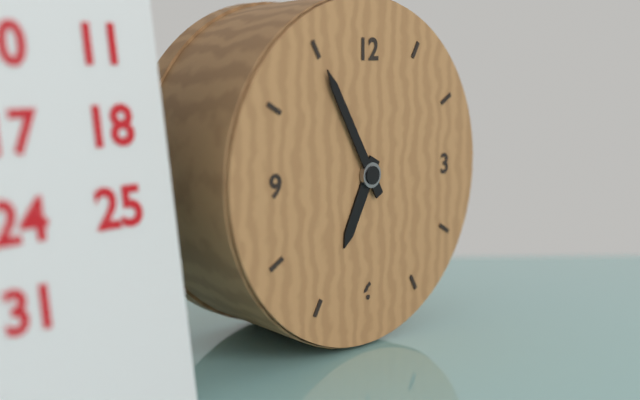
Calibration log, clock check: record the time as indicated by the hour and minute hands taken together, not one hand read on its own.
6:55
